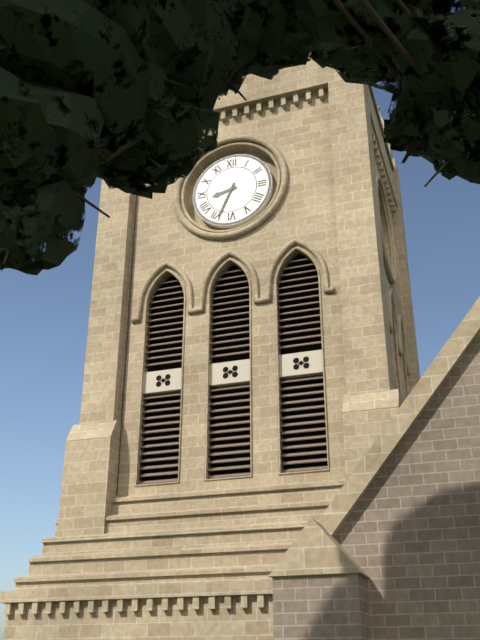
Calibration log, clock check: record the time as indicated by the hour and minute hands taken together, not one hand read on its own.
8:34
